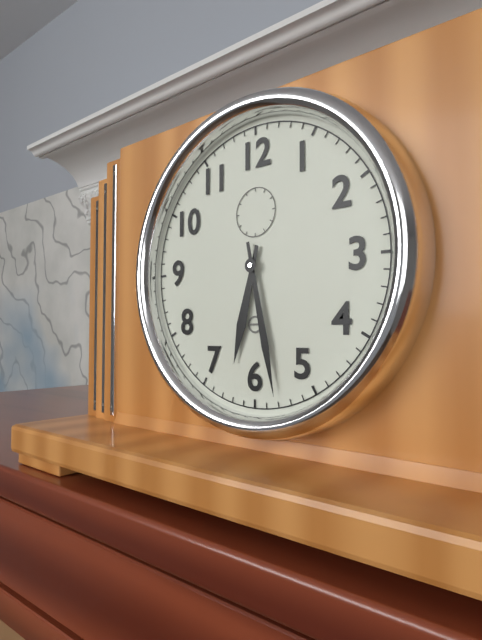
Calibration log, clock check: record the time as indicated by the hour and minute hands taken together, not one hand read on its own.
6:28
